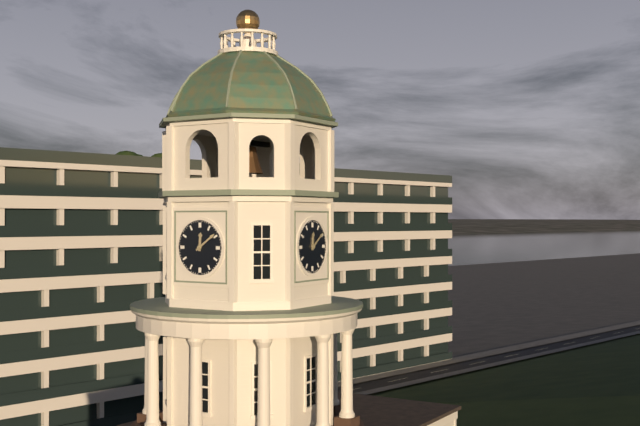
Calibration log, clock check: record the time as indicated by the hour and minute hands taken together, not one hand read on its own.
12:09
